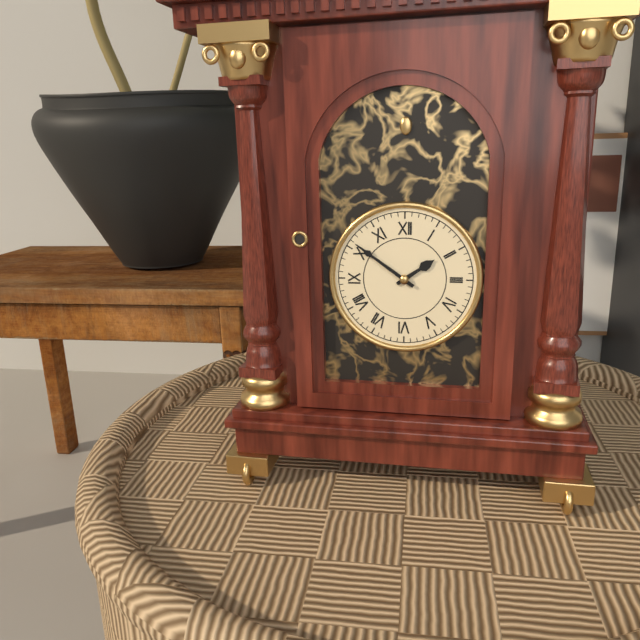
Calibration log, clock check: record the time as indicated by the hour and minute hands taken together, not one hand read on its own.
1:51
